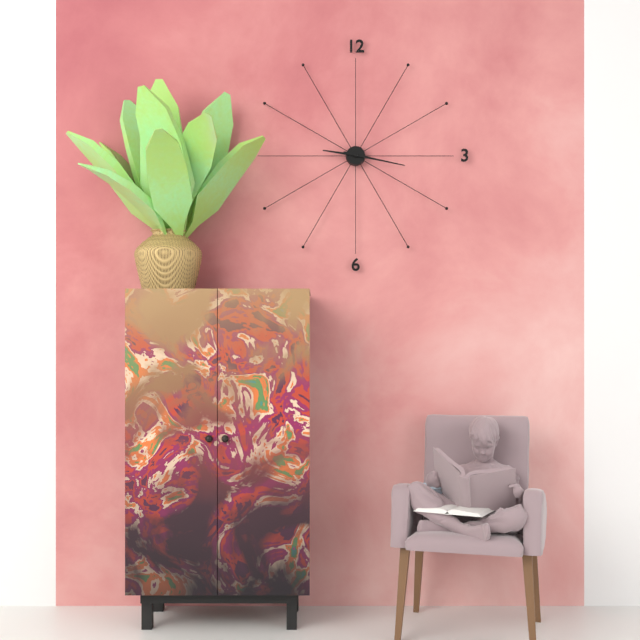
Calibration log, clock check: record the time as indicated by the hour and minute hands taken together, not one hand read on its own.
9:17
